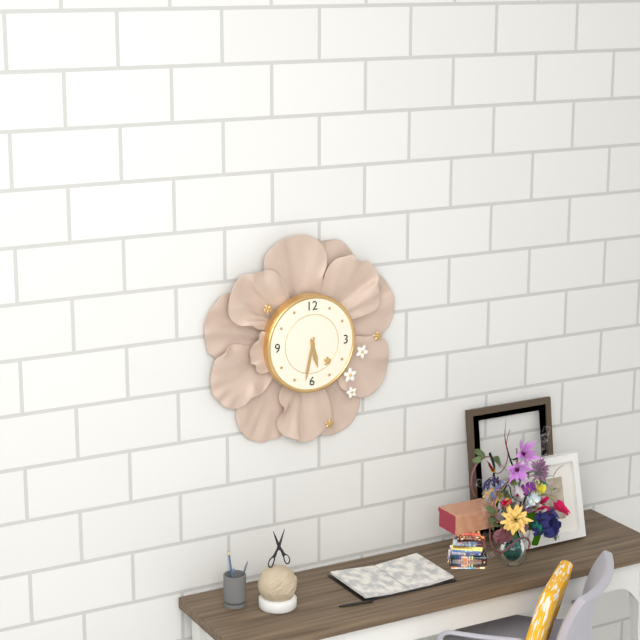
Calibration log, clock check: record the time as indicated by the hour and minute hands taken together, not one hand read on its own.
5:32
